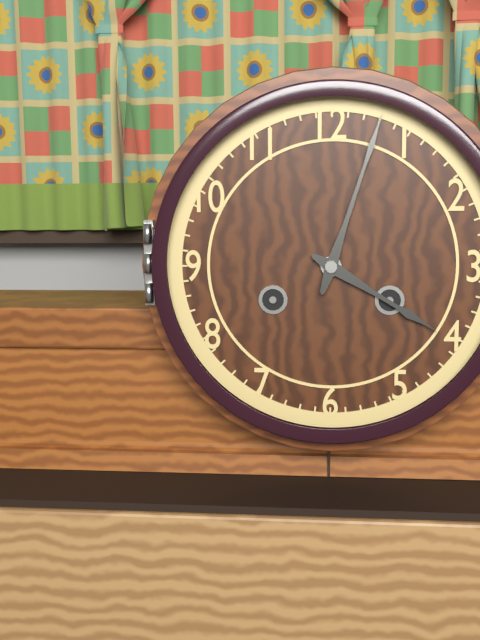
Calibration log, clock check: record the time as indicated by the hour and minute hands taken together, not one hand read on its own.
4:03
